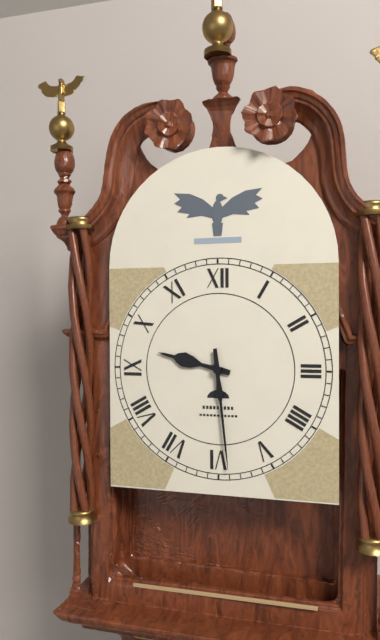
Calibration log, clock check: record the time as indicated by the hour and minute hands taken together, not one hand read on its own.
9:29
